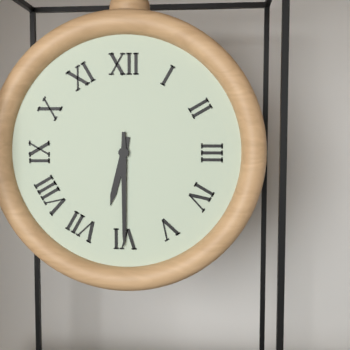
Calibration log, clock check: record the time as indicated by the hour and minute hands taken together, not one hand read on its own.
6:30
